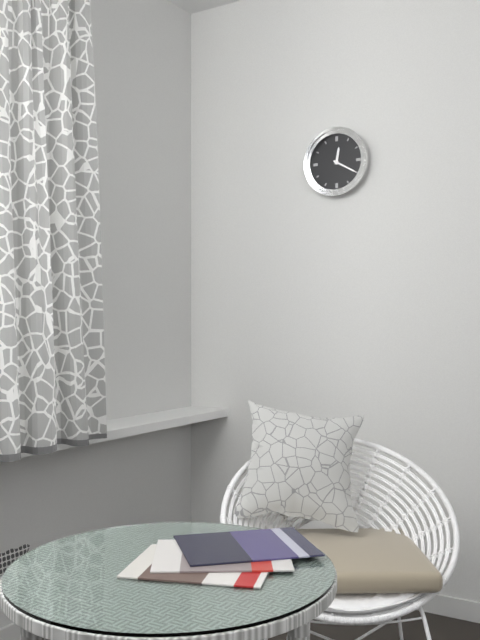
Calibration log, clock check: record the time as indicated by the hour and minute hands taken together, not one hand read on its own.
12:20
